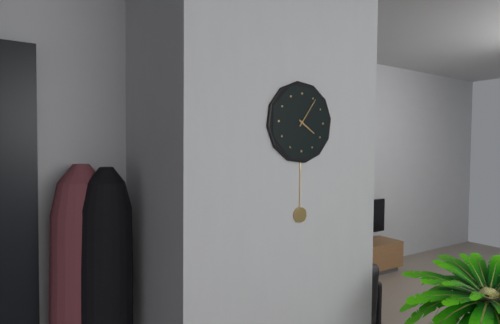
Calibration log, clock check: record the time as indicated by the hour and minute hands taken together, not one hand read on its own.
4:06
